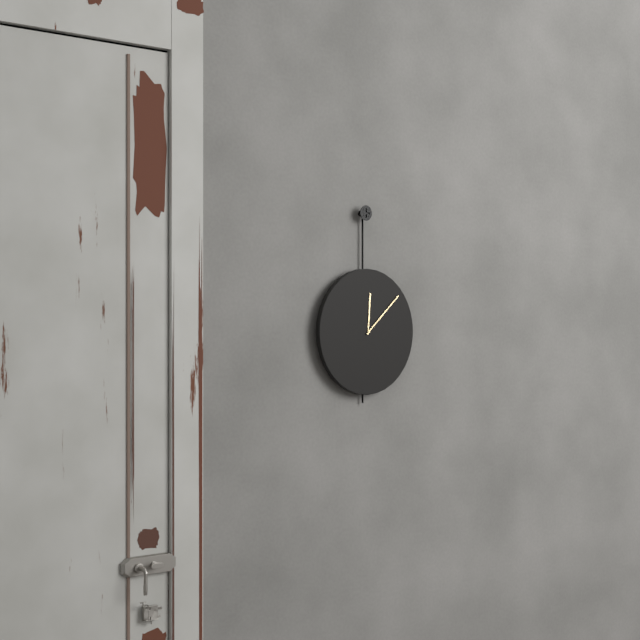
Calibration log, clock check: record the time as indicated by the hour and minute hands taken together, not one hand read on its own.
12:08
